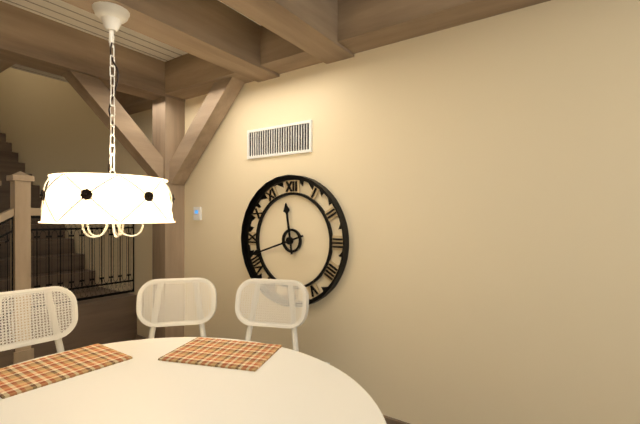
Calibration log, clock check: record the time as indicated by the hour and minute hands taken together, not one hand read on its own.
11:42
